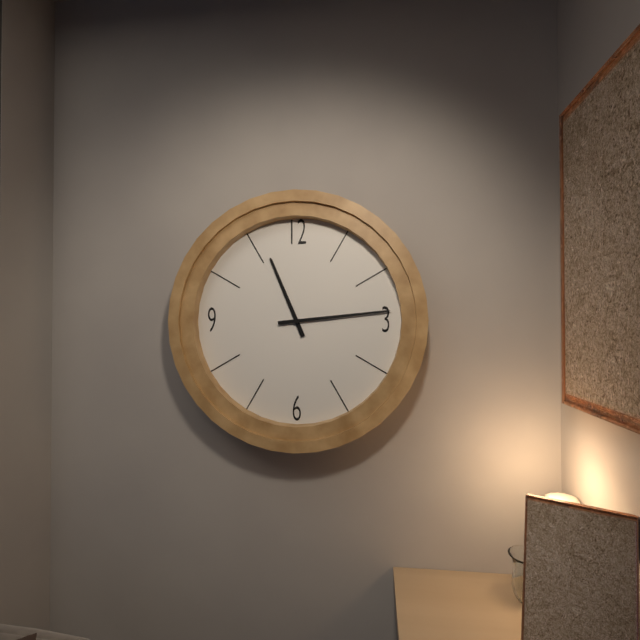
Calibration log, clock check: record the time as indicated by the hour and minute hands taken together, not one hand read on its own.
11:14
